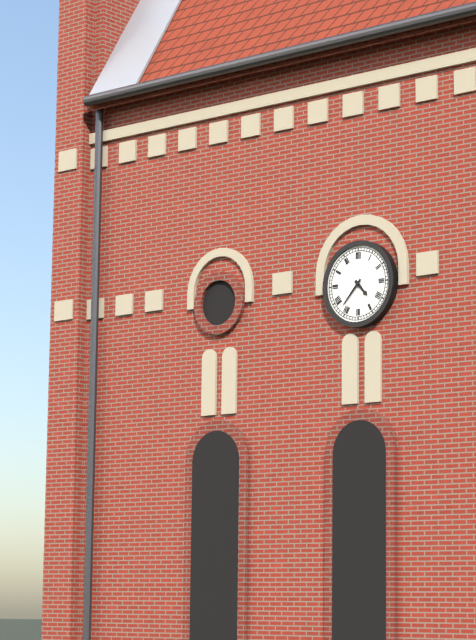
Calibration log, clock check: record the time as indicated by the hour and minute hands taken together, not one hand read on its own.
4:37
